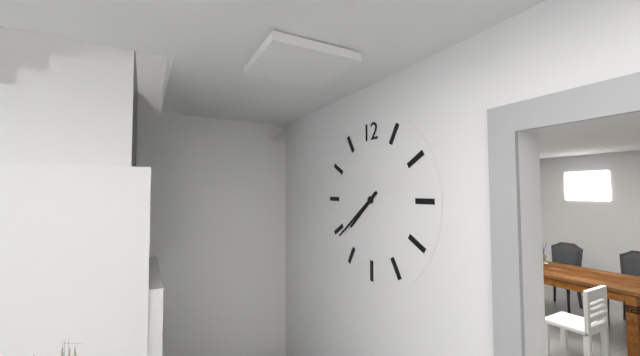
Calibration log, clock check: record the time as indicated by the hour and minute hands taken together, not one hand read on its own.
7:39
